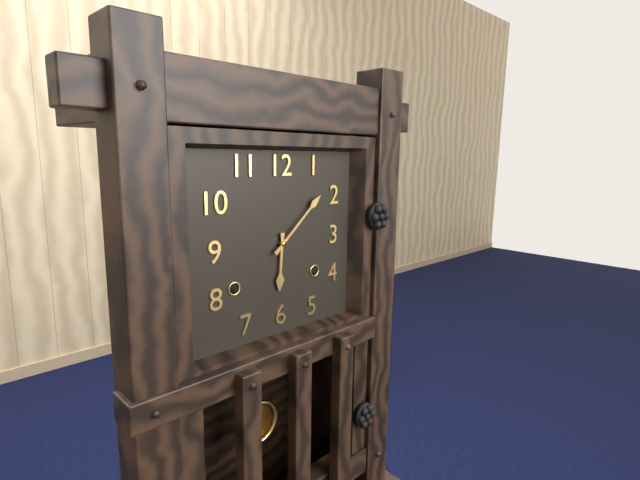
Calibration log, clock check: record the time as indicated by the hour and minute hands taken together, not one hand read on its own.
6:08
